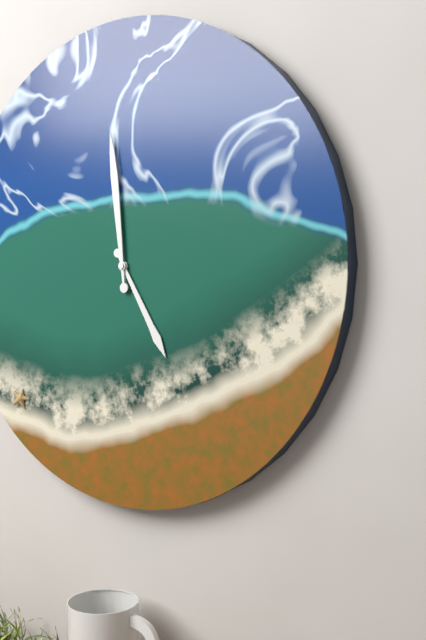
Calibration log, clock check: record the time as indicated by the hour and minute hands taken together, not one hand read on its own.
4:59
